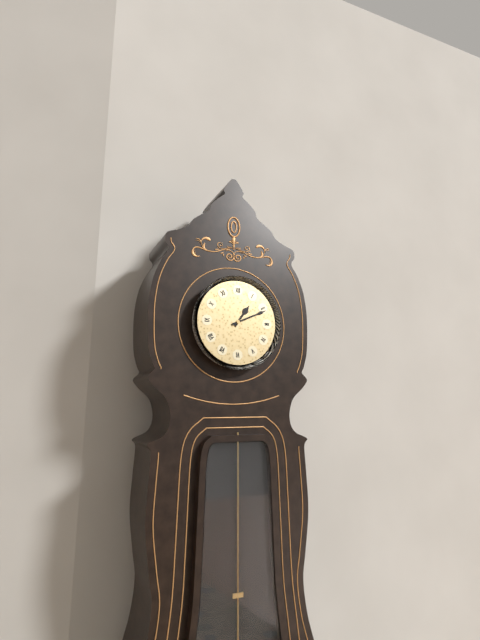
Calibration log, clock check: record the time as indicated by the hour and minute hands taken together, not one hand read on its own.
1:11
